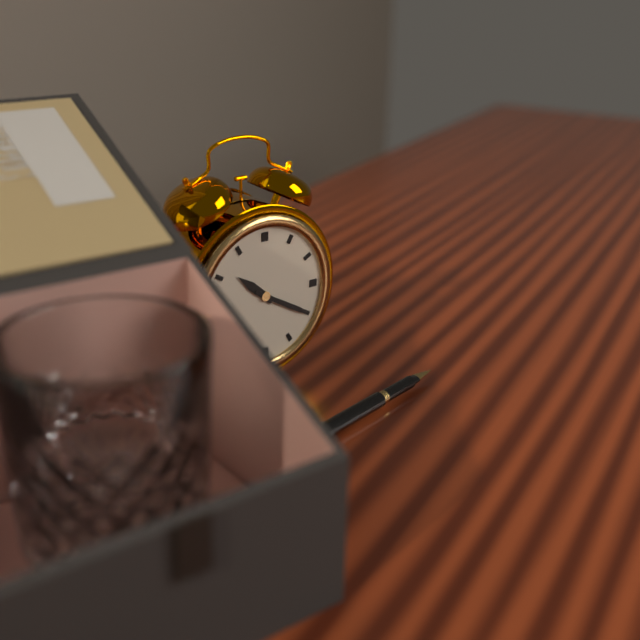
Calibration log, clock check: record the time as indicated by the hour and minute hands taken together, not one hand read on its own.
10:20
